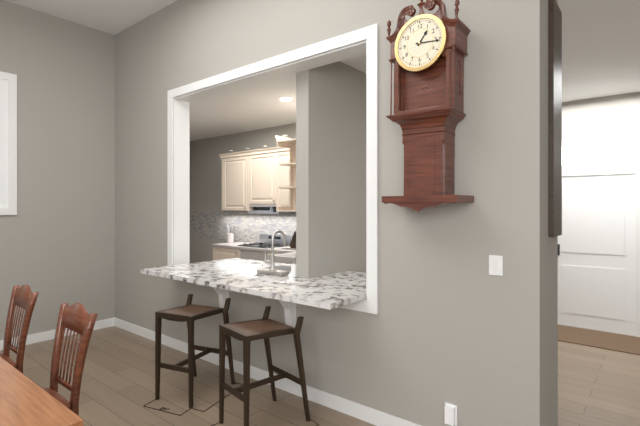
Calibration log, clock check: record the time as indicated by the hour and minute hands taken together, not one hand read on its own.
1:16
